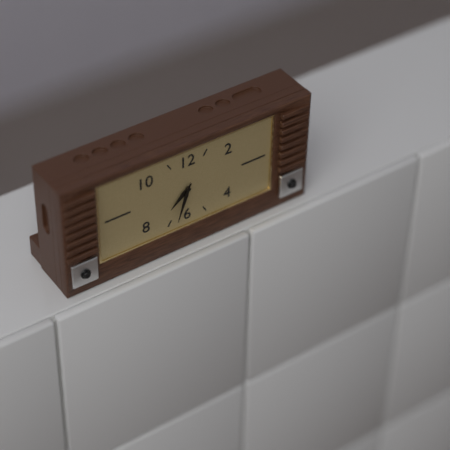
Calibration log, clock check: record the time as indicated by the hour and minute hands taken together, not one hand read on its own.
7:33
